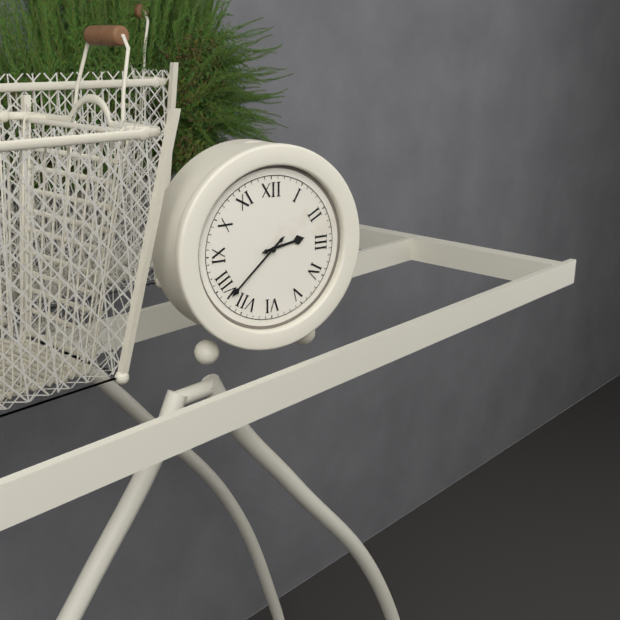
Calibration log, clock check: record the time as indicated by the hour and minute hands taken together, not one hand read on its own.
2:38
